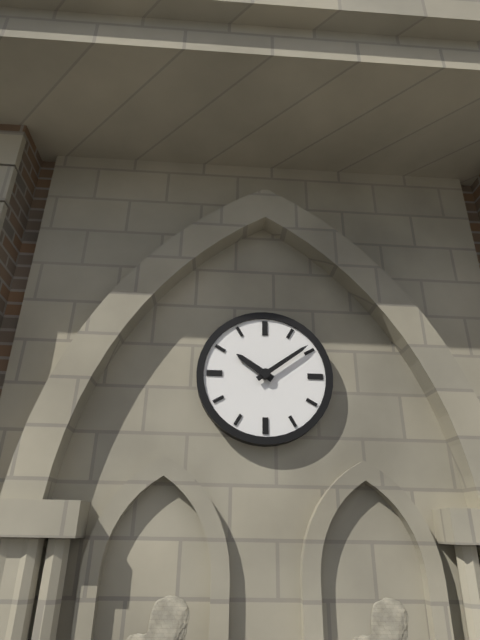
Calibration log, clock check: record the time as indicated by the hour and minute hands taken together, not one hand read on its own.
10:09
